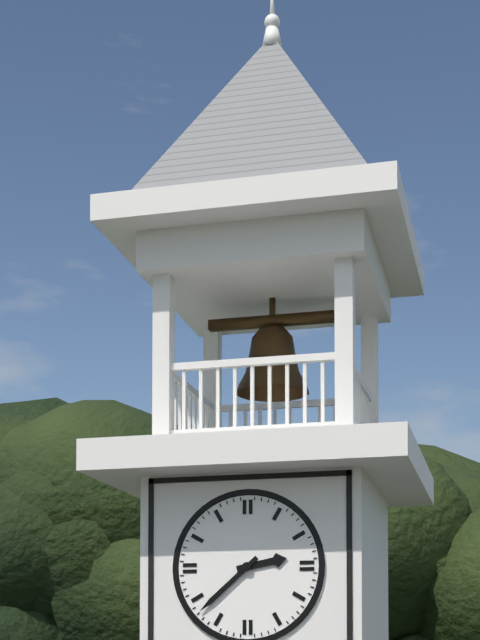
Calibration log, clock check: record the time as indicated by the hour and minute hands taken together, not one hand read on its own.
2:38
